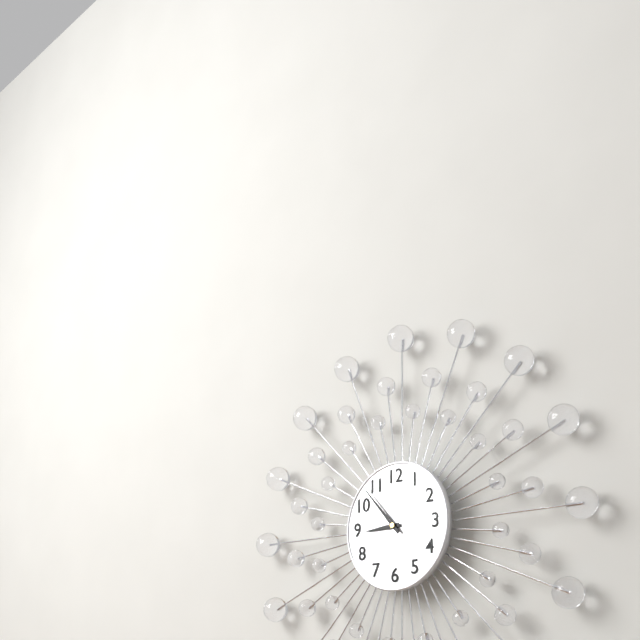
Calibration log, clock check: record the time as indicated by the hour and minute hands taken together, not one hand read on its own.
8:53
